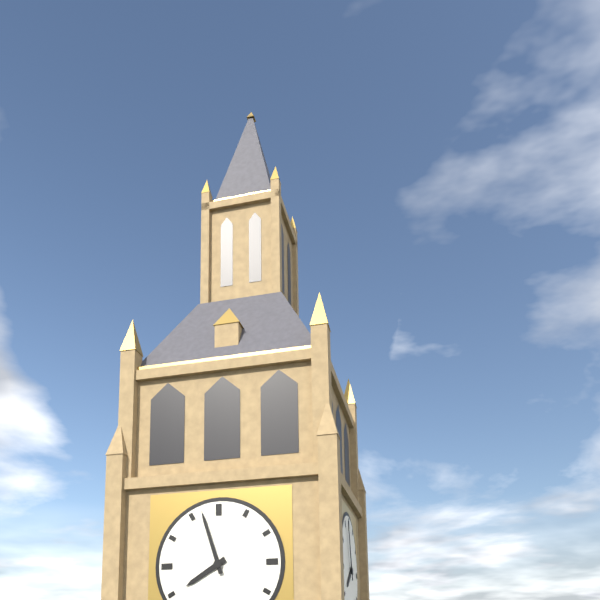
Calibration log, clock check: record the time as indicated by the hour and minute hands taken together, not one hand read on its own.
7:57
